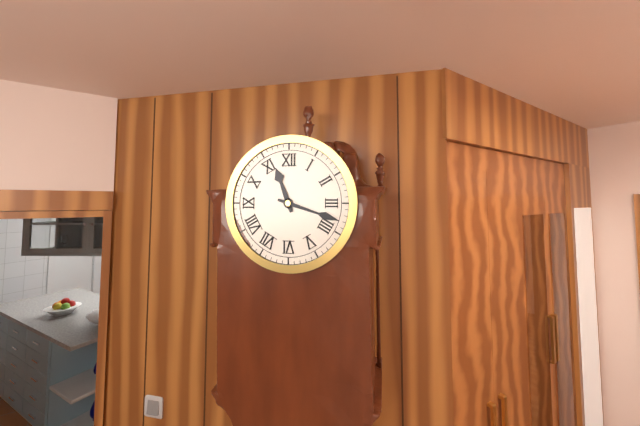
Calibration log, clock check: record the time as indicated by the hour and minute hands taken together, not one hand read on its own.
11:18
